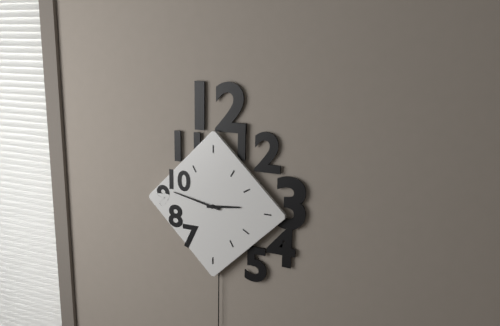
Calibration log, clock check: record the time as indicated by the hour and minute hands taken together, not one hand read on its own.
2:47
